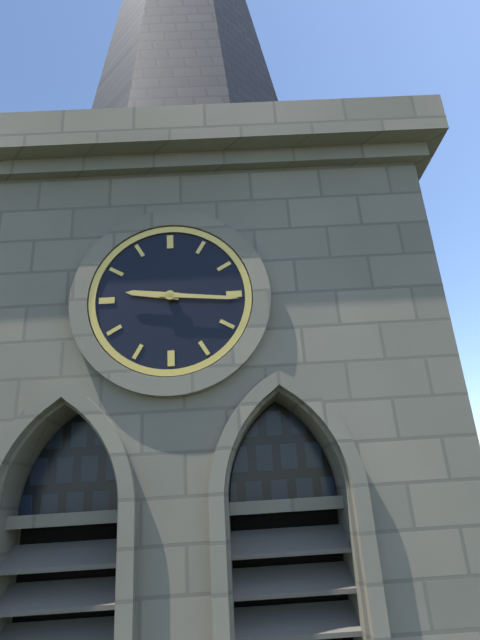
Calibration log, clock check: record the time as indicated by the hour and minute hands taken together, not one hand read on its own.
9:16
